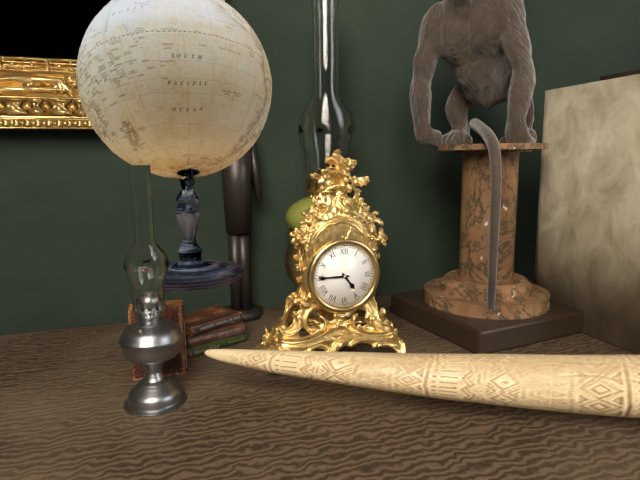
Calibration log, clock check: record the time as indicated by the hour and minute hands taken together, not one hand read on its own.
4:45
